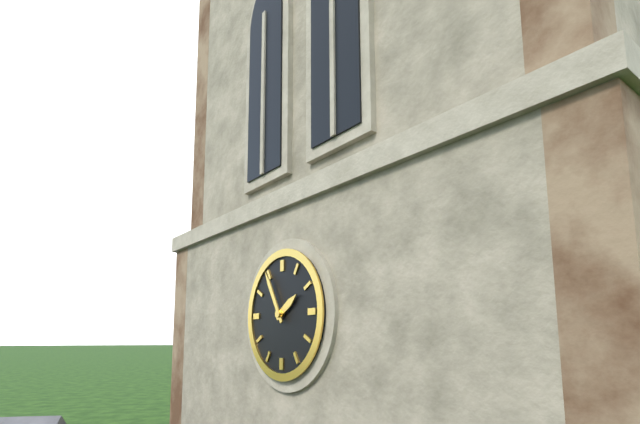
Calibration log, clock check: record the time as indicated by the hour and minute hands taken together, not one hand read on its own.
1:55
